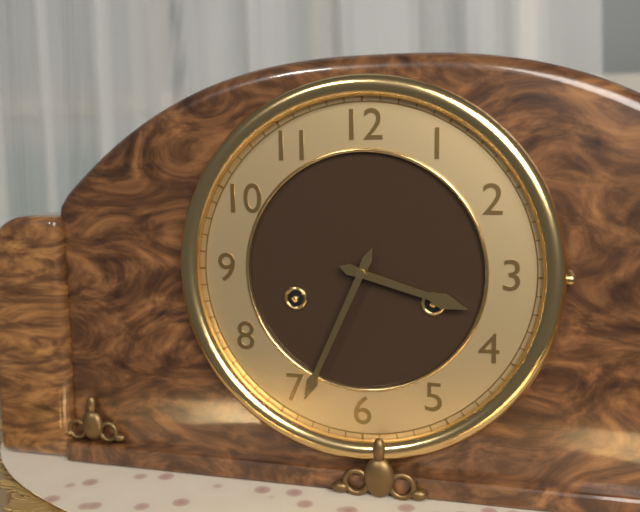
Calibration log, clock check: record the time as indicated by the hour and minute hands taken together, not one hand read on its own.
3:34
